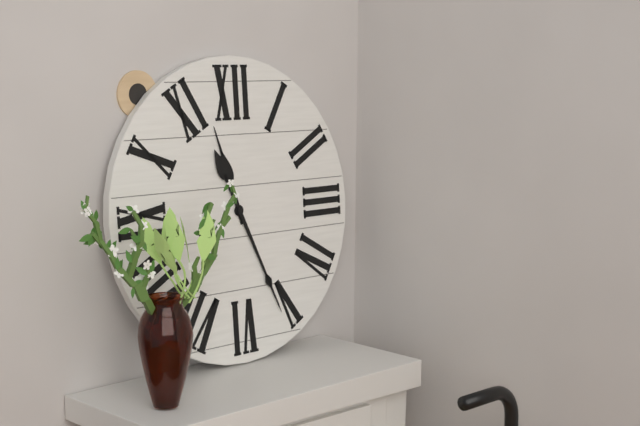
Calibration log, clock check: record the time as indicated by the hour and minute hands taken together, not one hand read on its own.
11:26
